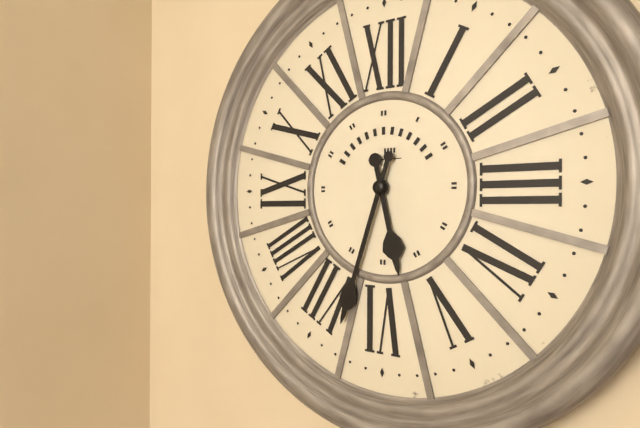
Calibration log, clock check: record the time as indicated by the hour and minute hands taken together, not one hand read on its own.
5:33
